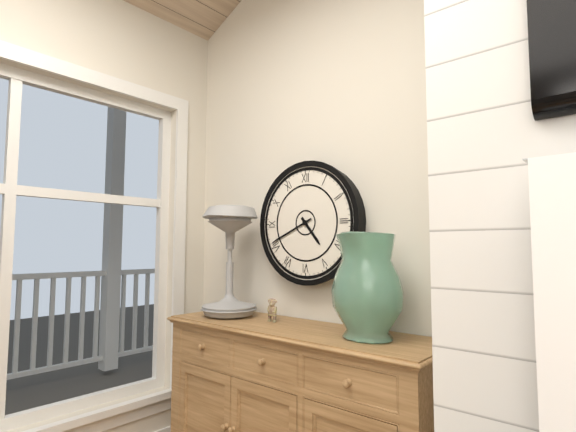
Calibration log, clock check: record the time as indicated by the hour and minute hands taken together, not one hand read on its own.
4:41
